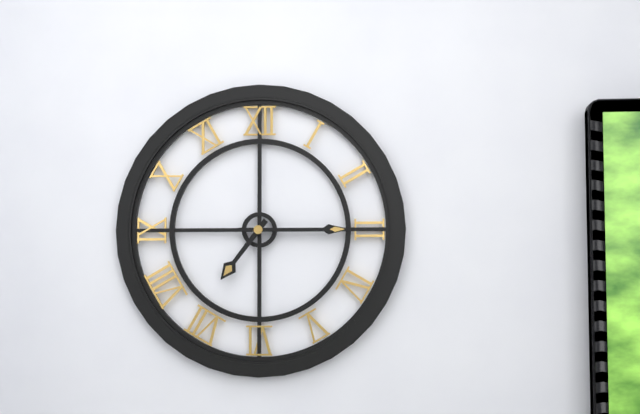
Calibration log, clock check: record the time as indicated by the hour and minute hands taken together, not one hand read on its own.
7:15
